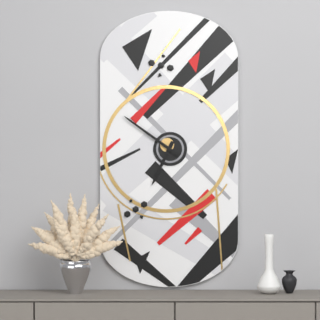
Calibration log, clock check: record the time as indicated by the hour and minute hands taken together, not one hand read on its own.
6:51
